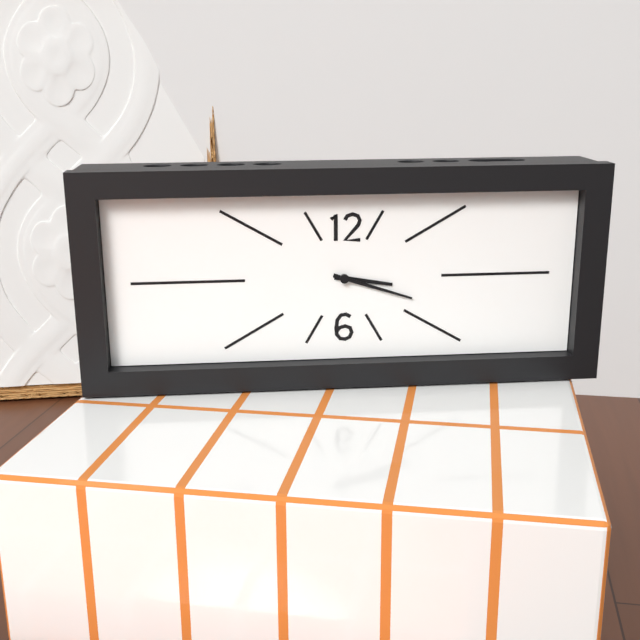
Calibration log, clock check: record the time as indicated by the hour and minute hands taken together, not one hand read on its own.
3:18
